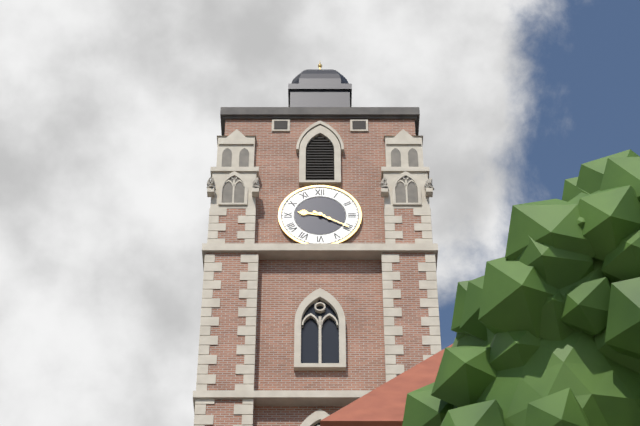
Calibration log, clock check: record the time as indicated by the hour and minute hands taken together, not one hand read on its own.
9:20
